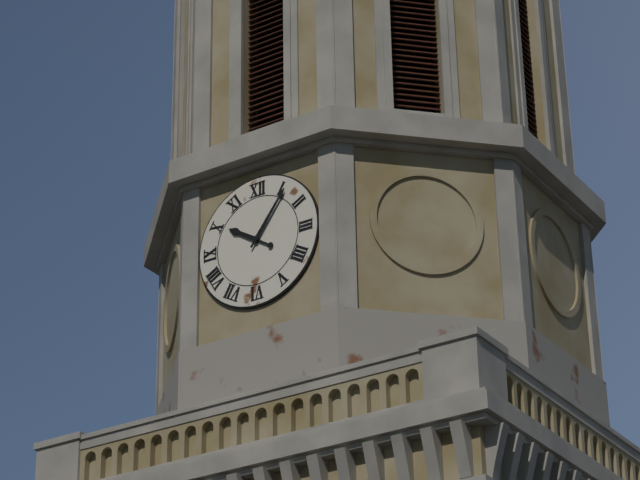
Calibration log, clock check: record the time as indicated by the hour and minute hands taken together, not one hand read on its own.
10:06
